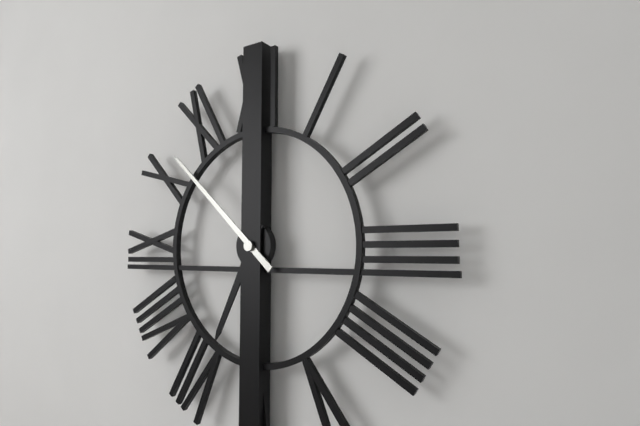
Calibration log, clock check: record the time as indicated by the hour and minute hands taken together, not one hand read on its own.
6:52
